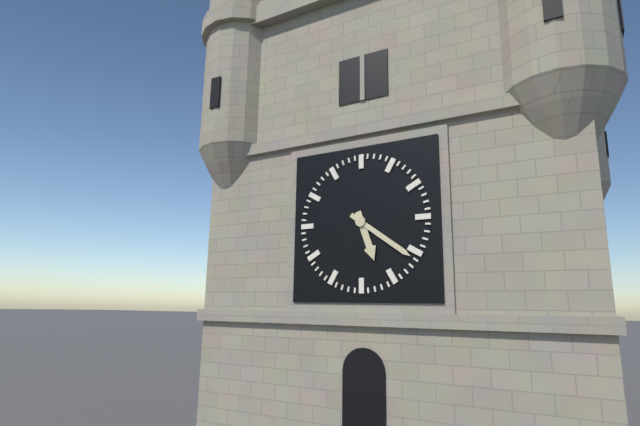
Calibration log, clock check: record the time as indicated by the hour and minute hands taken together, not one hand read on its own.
5:21
